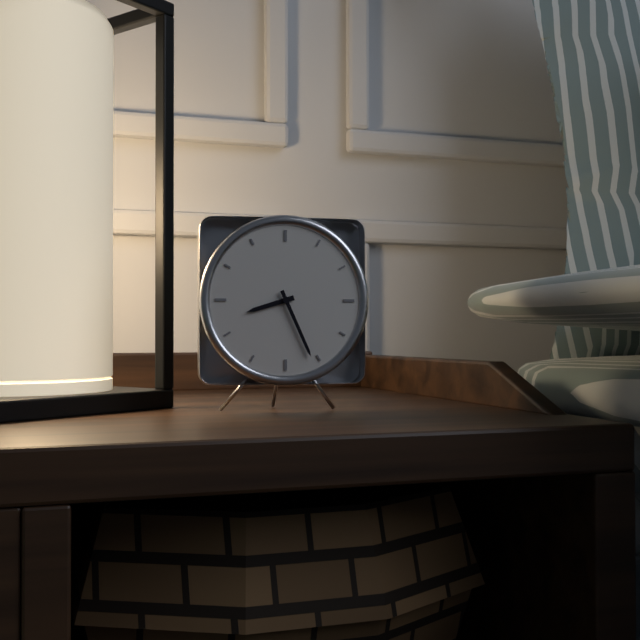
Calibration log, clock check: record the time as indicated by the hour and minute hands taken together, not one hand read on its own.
8:26
